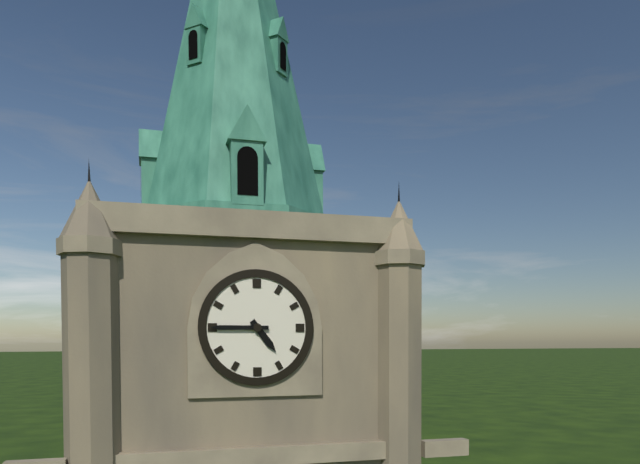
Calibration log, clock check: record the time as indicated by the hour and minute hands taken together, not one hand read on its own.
4:45
